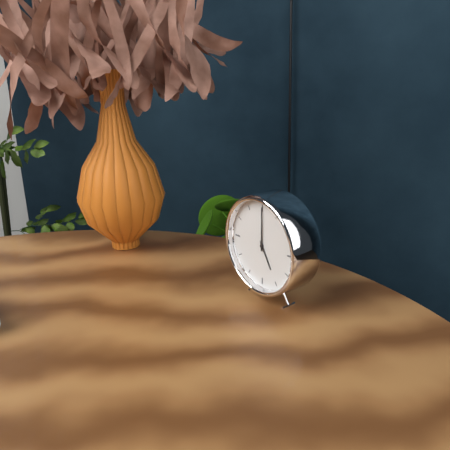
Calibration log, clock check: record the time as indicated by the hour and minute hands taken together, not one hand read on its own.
5:00
